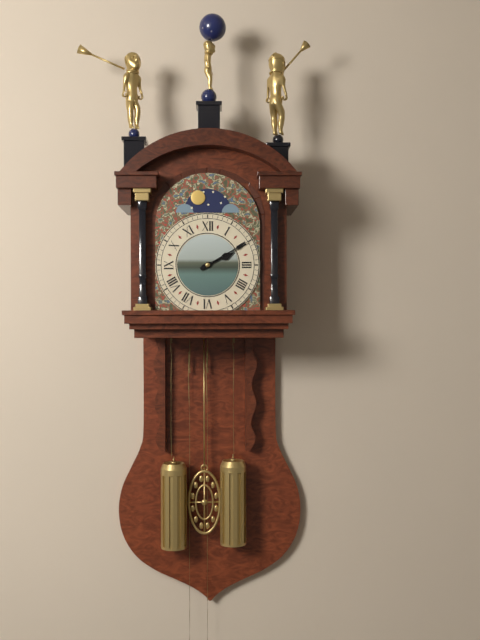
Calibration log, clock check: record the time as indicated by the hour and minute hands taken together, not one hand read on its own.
2:10
